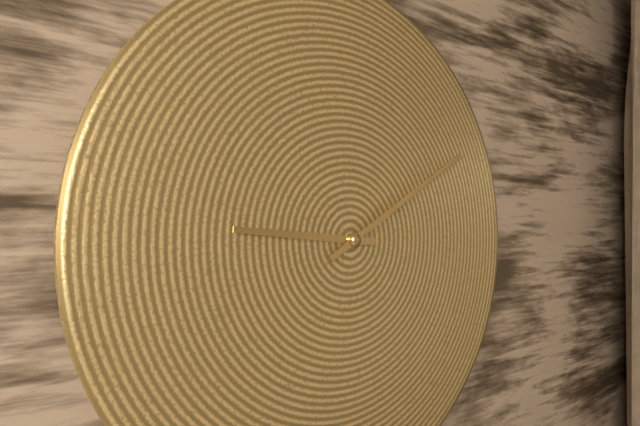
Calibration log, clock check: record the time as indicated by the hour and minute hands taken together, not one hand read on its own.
9:10
